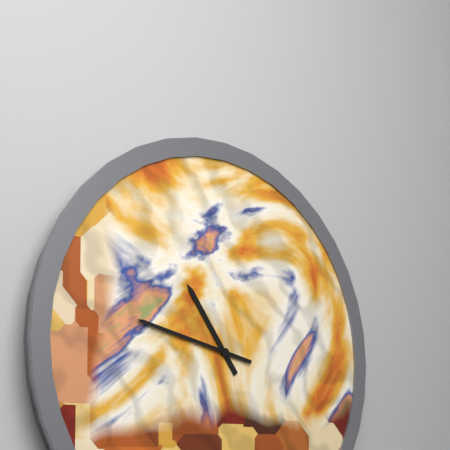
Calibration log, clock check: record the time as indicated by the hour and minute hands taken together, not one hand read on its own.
10:47
